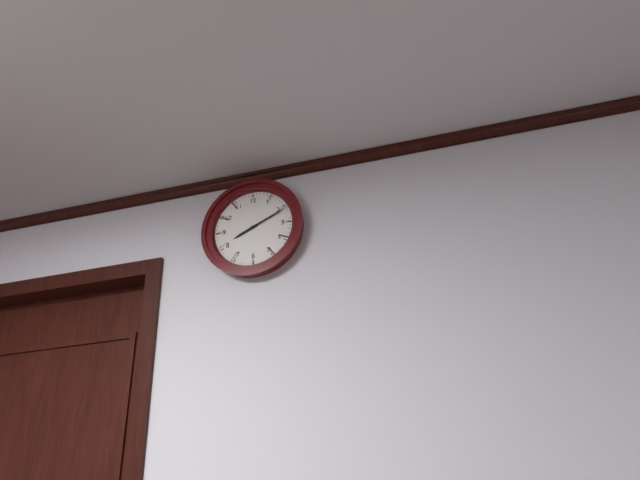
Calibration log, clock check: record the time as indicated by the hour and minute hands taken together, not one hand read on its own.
8:11
